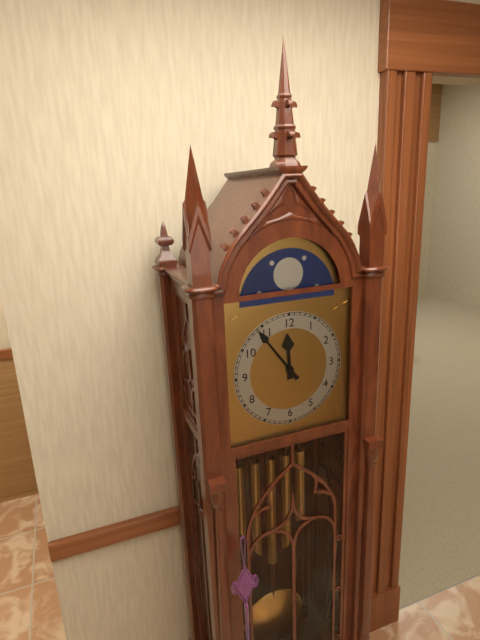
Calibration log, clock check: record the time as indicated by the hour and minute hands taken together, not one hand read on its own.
11:54
